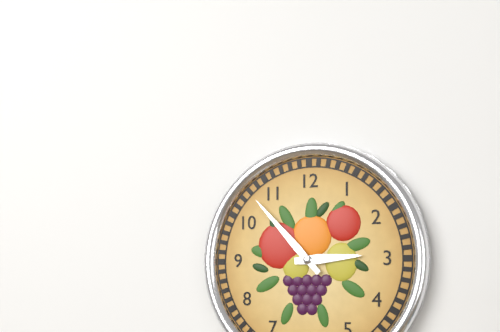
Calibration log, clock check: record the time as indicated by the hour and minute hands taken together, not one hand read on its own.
2:53
